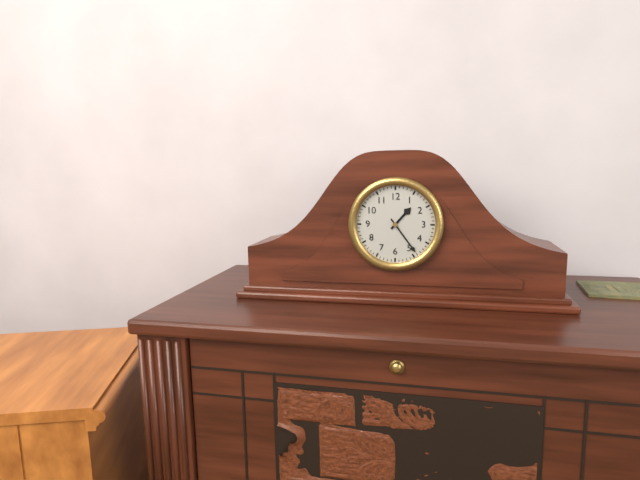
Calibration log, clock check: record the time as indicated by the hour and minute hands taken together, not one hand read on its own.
1:24
